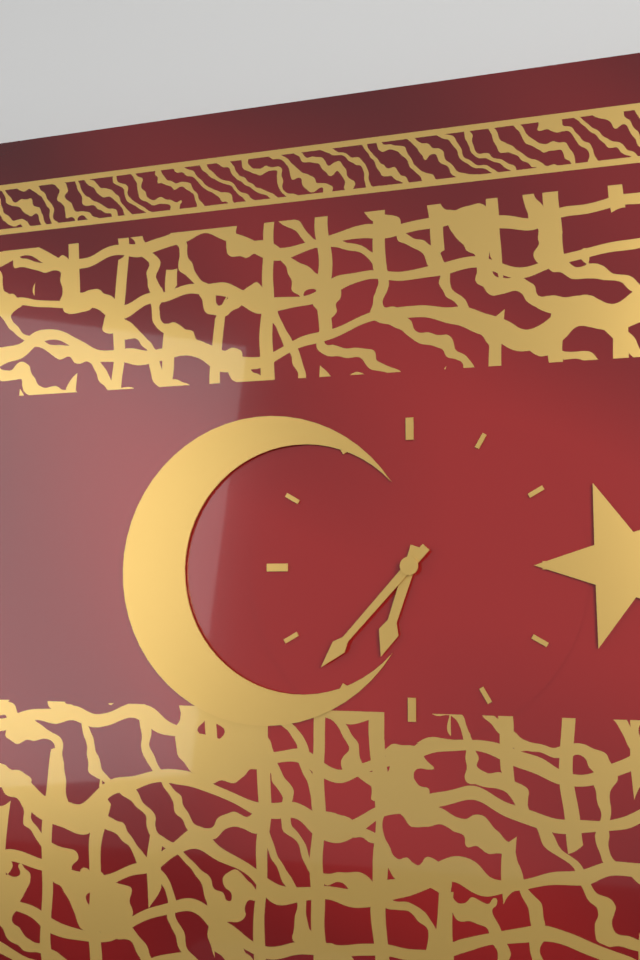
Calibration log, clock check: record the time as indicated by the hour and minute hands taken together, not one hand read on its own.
6:37
